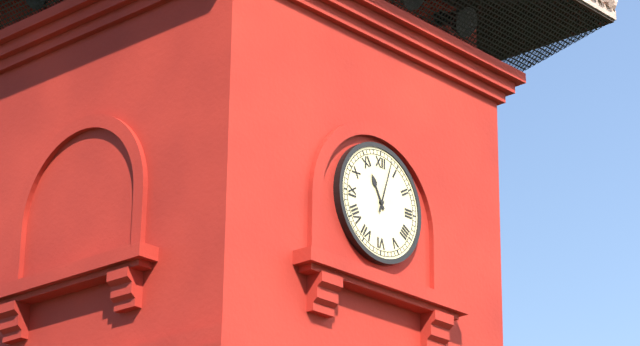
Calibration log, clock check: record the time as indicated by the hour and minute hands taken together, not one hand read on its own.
11:03
